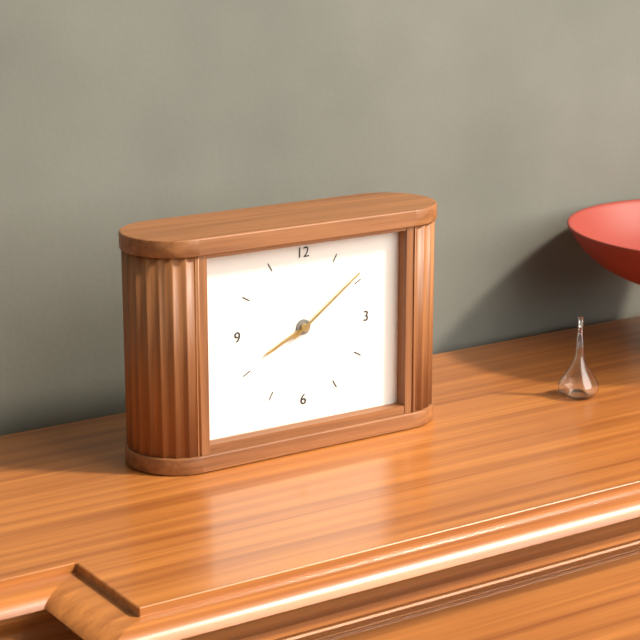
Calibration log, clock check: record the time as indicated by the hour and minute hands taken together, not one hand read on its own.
8:09
